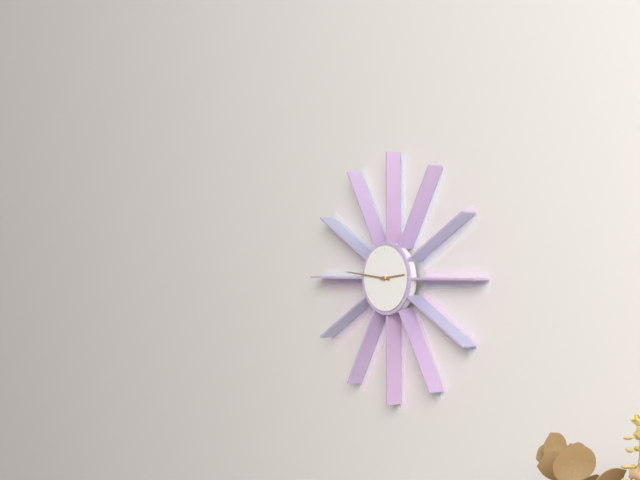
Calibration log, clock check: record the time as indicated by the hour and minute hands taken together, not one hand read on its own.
2:46
